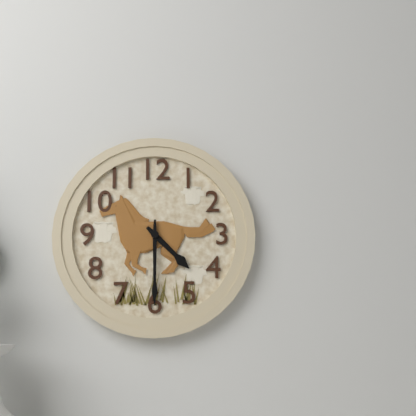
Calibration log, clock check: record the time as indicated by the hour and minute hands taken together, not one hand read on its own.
4:30
